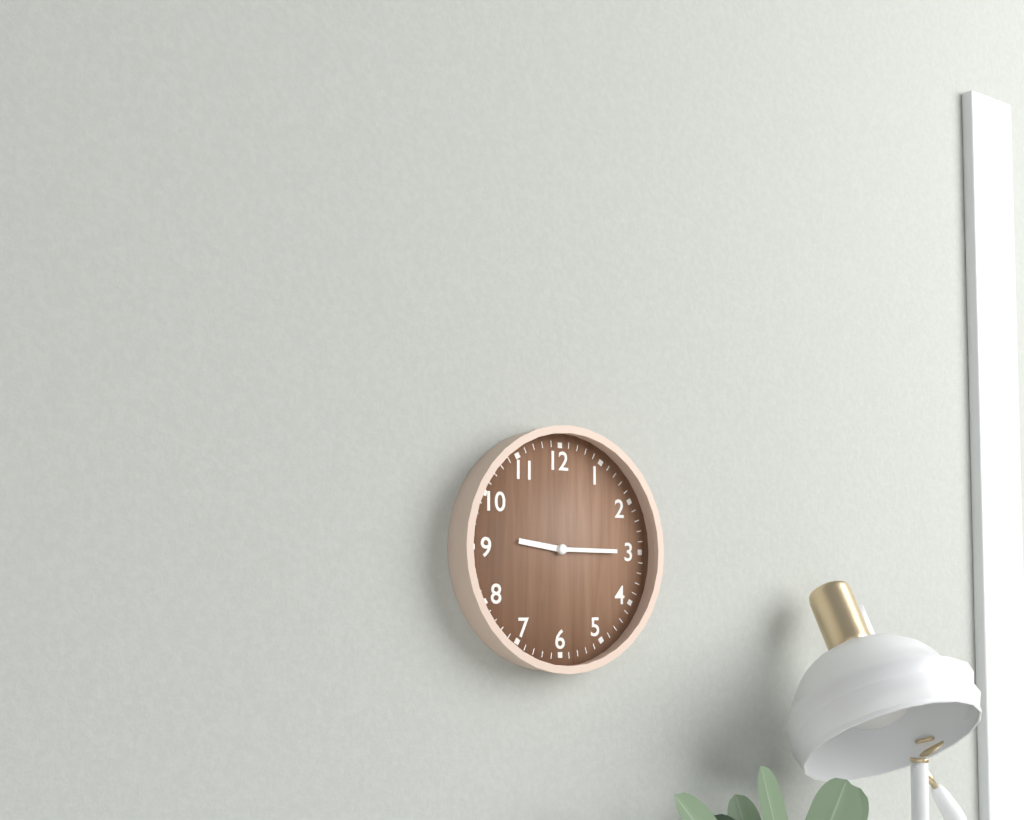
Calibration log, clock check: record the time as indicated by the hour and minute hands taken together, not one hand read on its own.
9:15
